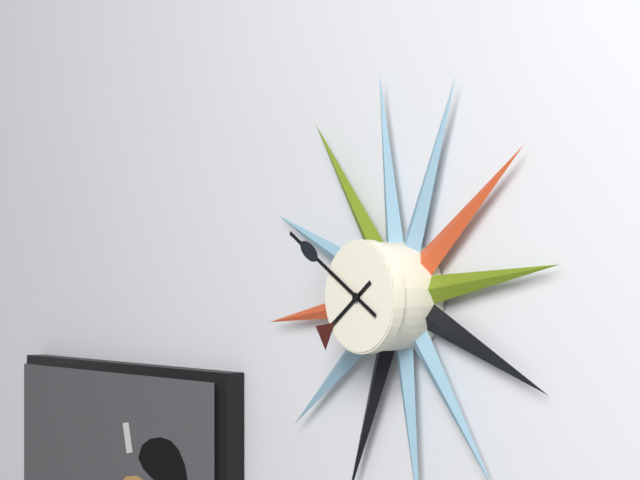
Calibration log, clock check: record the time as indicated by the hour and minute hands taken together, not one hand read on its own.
7:50
